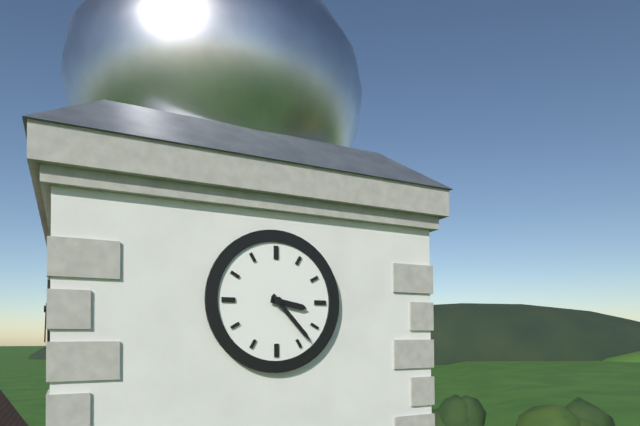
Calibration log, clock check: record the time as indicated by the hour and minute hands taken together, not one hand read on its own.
3:23
